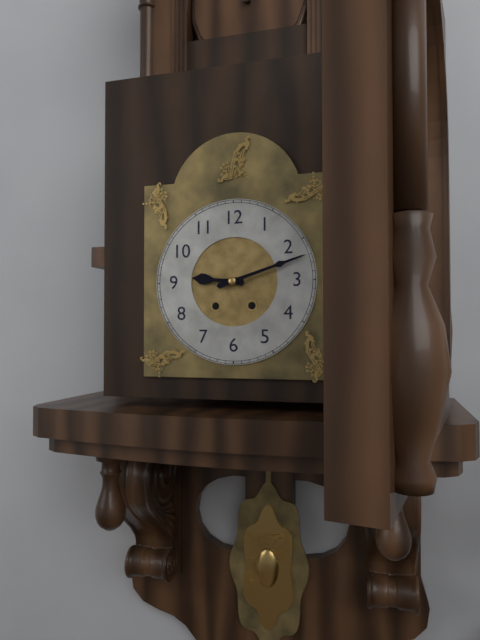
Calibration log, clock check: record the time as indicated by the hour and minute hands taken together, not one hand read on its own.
9:12
